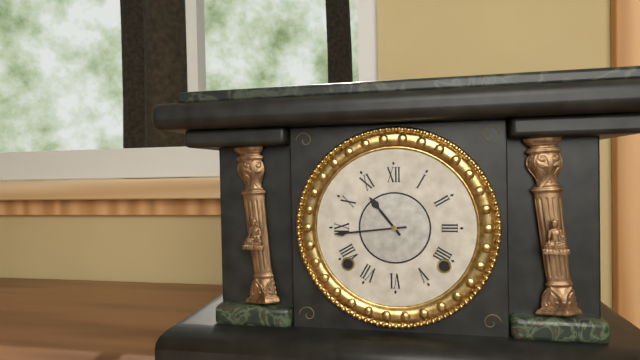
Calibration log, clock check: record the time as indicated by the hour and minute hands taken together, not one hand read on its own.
10:44
